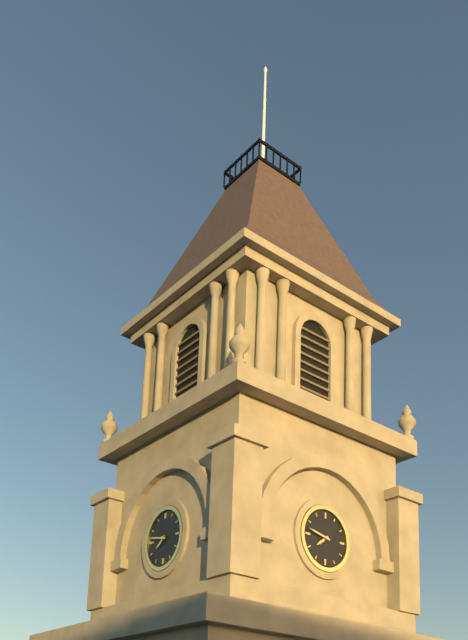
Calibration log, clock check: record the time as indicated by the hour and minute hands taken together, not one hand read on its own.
7:47
